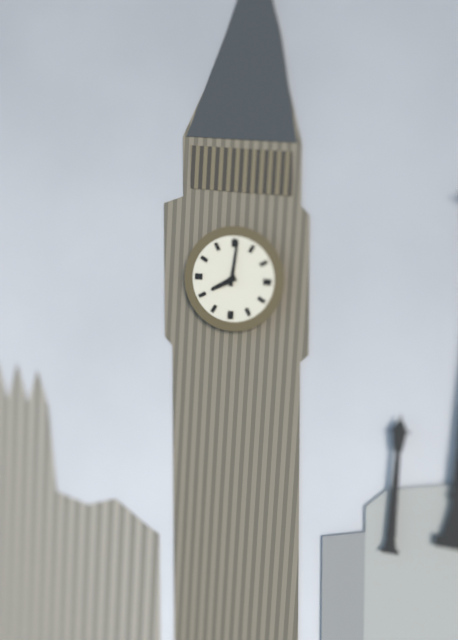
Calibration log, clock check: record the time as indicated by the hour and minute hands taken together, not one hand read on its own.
8:01
